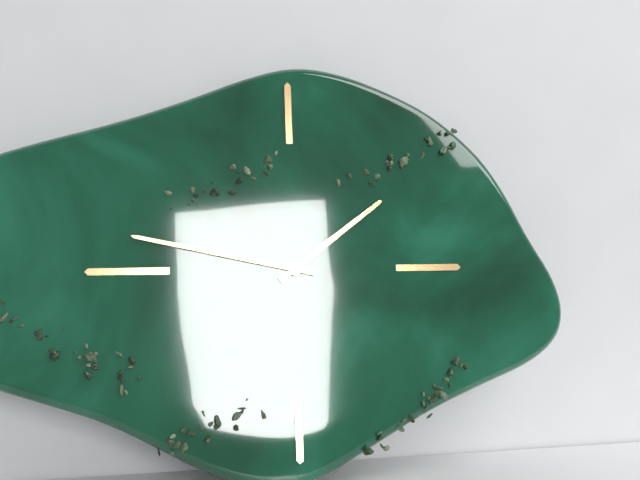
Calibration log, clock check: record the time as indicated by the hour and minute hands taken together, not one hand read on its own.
1:47
